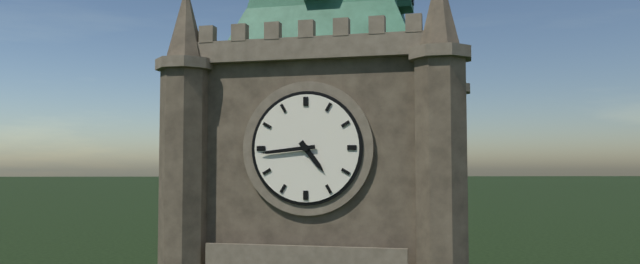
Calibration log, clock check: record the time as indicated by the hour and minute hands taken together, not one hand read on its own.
4:44
